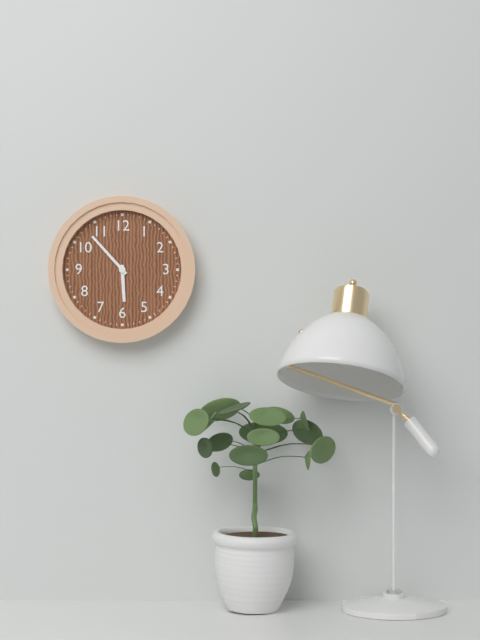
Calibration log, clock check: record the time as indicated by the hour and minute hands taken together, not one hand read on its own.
5:53
